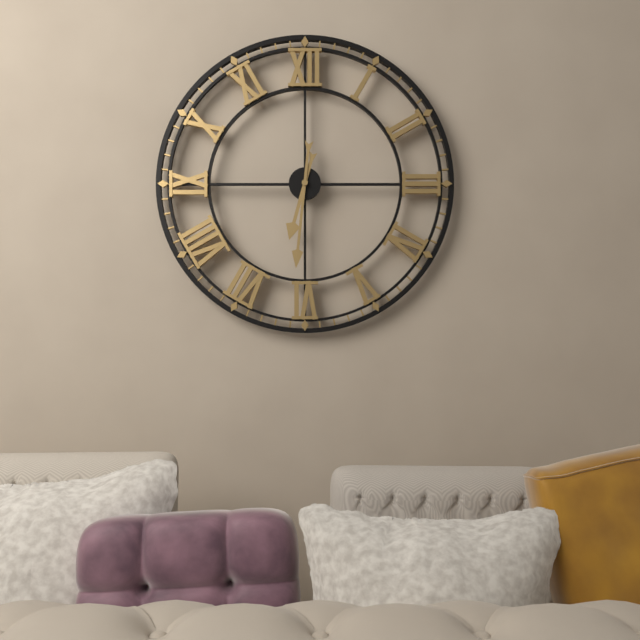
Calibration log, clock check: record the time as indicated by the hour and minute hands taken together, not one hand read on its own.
6:31
